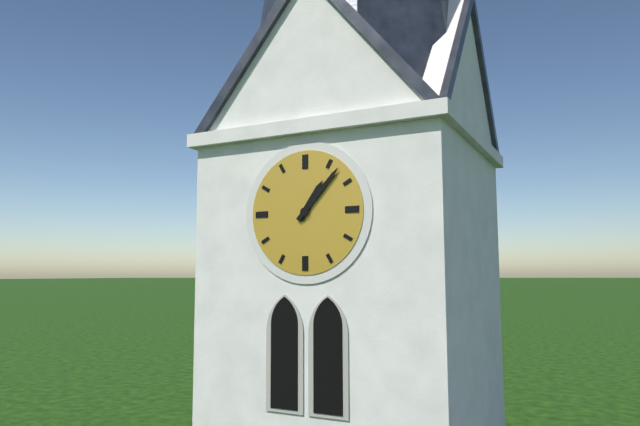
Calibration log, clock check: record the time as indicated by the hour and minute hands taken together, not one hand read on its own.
1:07
